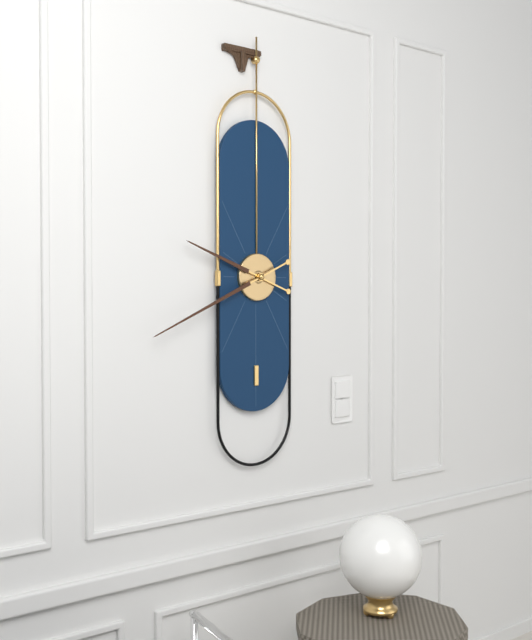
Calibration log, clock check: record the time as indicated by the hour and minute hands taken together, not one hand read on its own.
9:41
